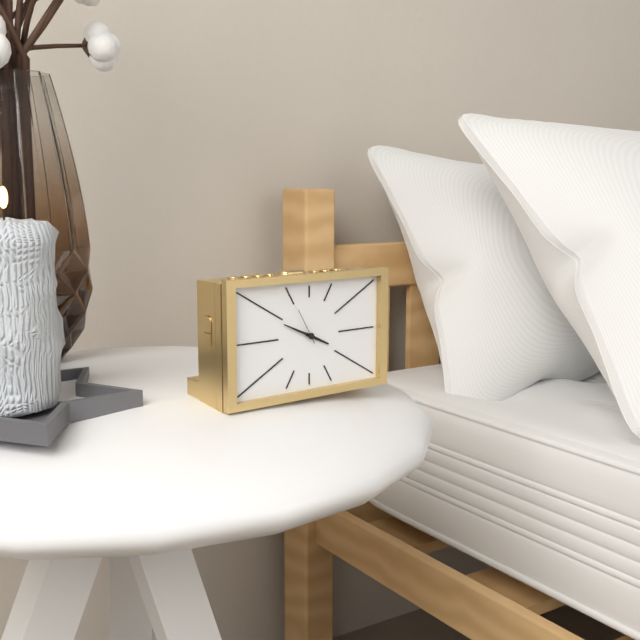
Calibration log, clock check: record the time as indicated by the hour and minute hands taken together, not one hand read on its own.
3:49
